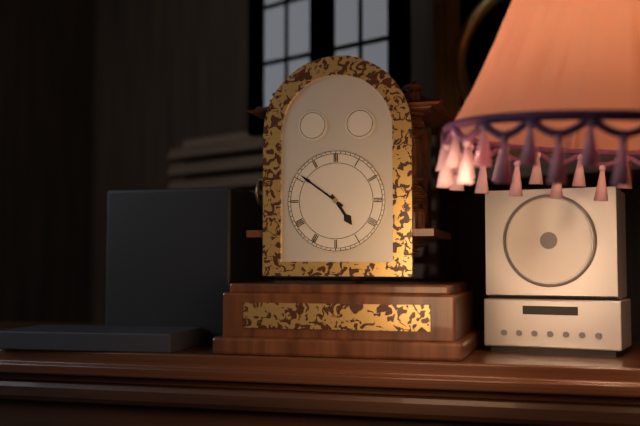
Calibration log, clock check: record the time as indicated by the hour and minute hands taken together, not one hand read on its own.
4:51
